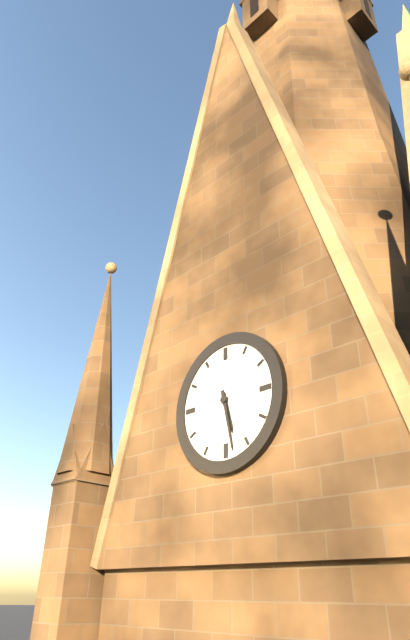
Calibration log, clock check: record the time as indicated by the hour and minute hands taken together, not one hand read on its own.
5:28
